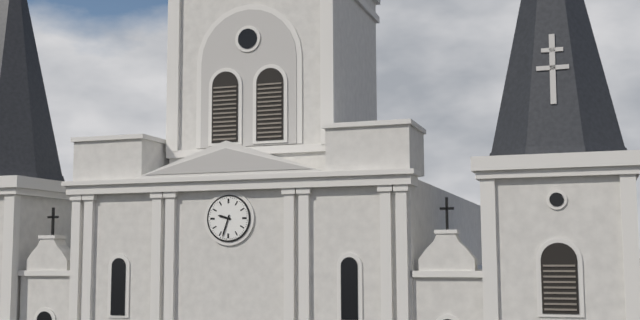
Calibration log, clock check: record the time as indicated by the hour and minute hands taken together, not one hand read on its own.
9:33
